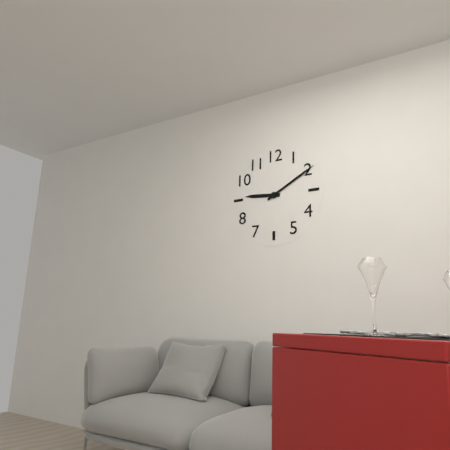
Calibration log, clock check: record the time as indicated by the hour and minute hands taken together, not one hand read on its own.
9:10
